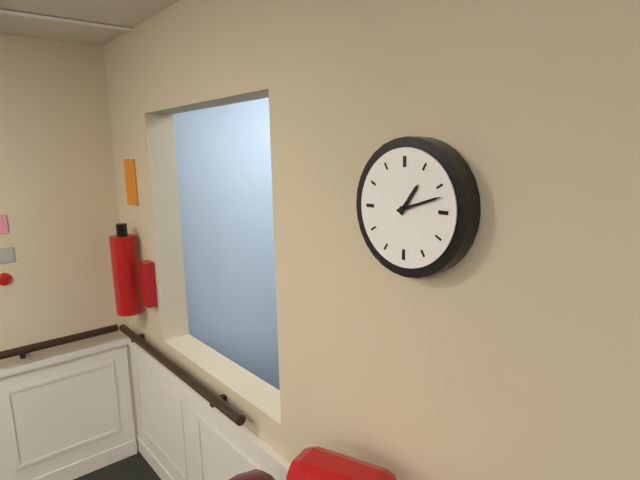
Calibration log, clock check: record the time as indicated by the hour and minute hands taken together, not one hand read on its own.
1:12
